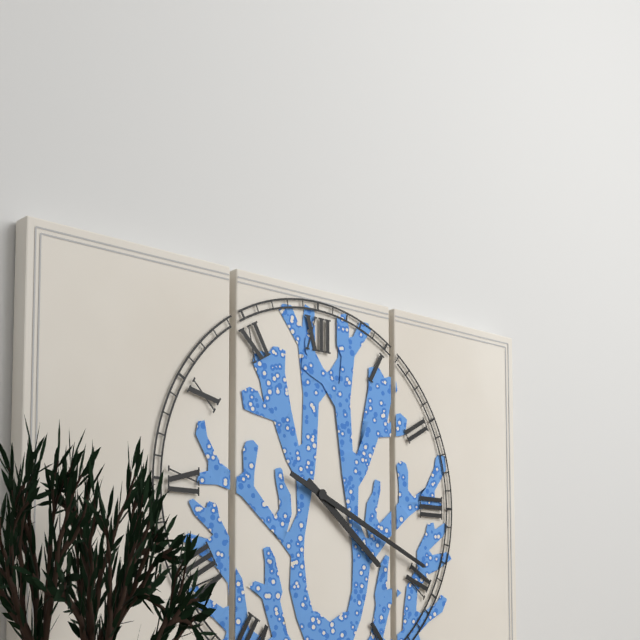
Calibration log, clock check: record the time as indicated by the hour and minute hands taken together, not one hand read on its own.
4:19
